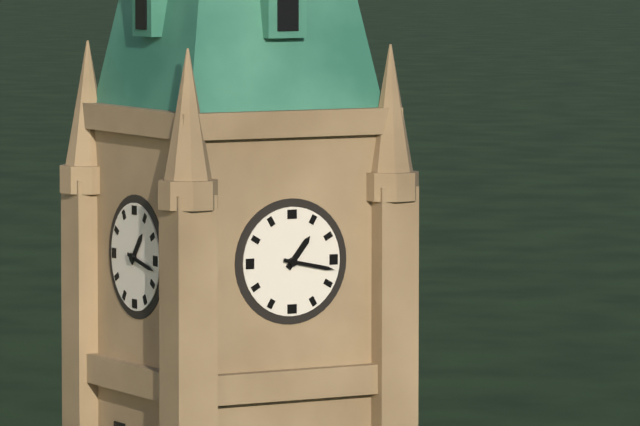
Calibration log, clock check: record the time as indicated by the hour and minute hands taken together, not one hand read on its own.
1:17
